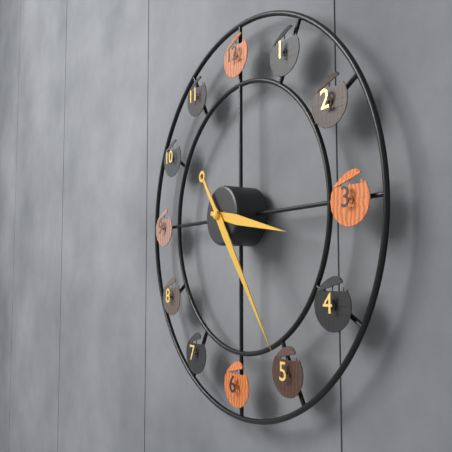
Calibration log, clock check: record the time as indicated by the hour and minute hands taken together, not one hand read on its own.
3:24
